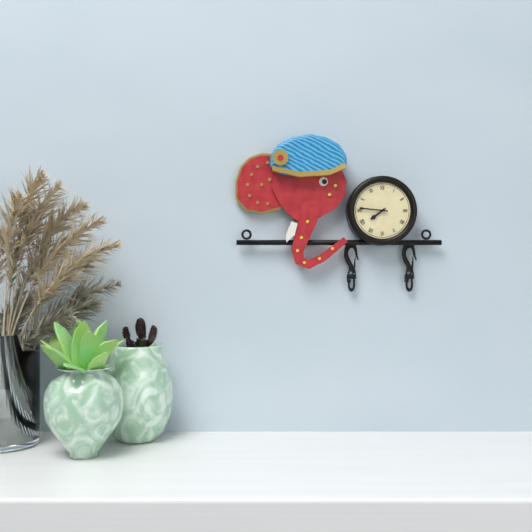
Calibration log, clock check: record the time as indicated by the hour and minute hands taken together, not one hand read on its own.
7:46
